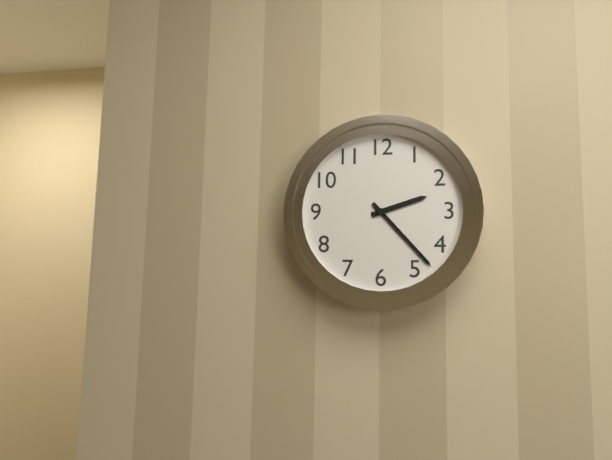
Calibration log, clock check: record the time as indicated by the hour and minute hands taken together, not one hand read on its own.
2:23
